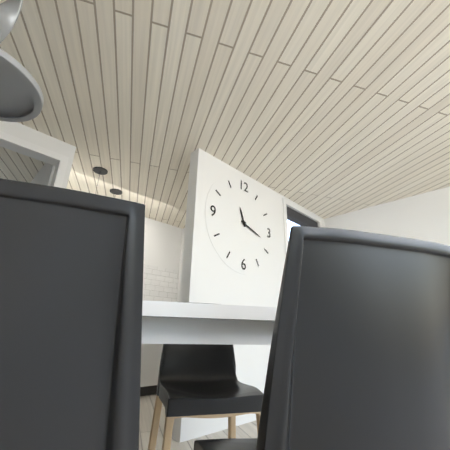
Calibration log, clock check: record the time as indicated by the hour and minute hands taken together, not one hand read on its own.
11:18
